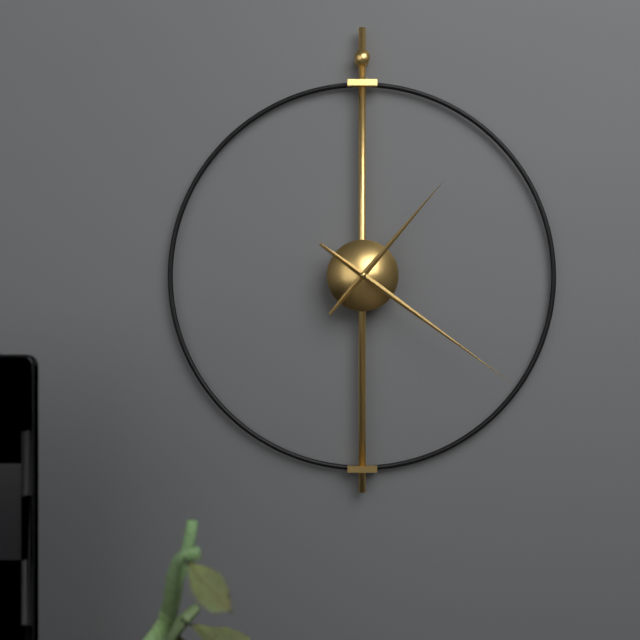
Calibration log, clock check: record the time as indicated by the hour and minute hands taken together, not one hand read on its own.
1:21
